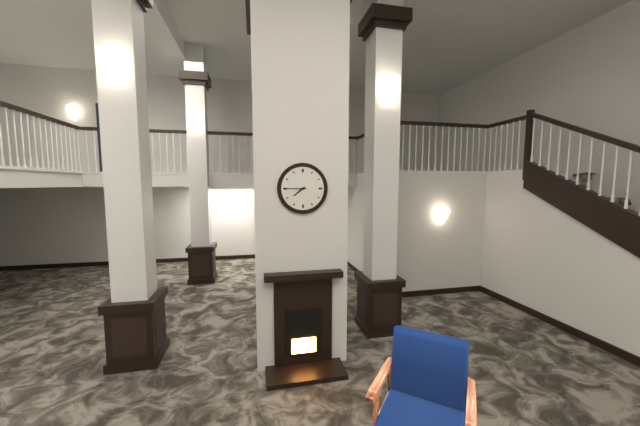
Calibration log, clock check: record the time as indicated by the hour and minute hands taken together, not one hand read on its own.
7:45
